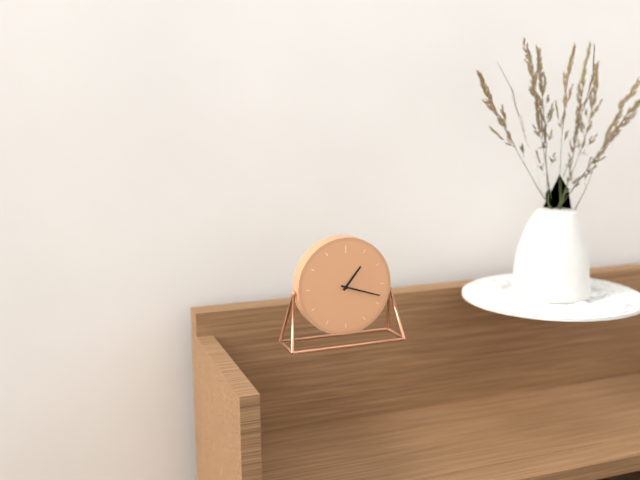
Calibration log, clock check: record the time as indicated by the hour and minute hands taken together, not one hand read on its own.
1:18
